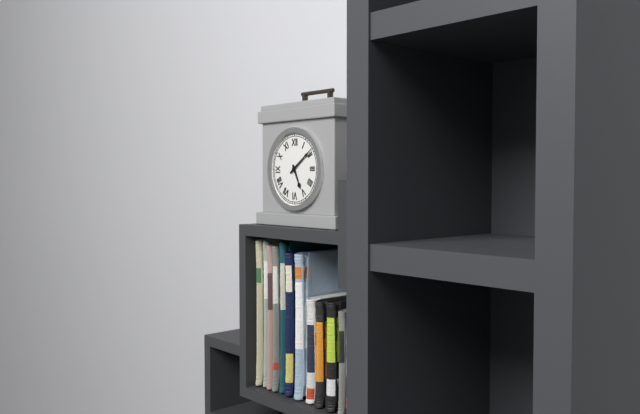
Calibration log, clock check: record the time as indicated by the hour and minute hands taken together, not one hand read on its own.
5:09
